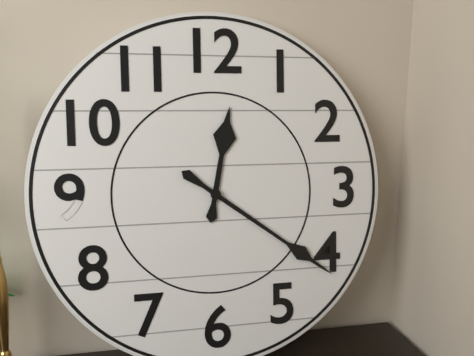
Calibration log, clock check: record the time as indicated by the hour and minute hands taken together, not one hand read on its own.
12:21
